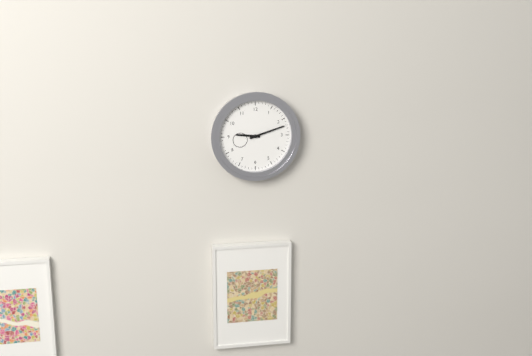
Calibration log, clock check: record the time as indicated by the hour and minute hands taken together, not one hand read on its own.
9:12
